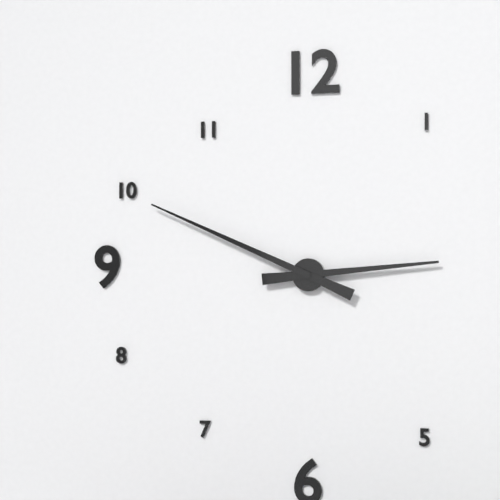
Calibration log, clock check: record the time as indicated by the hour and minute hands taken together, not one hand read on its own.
2:49
